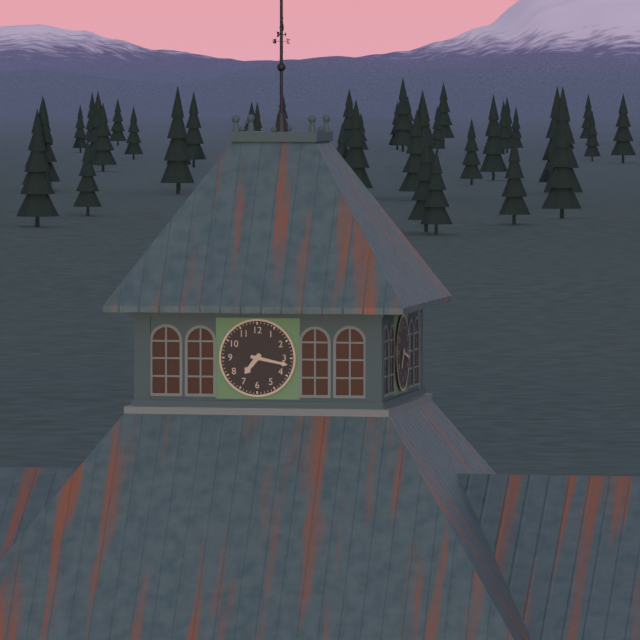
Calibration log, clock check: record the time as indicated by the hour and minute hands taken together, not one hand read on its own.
7:17
